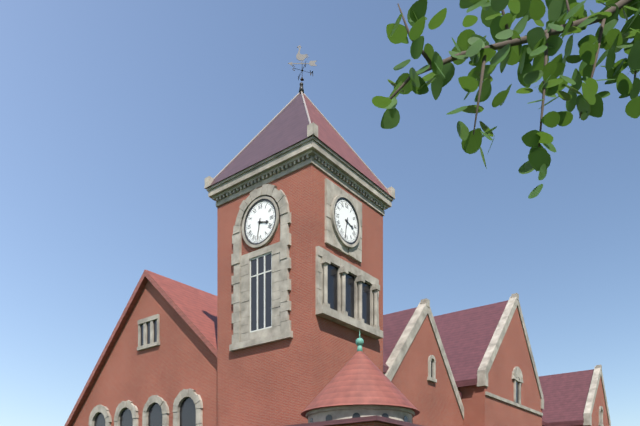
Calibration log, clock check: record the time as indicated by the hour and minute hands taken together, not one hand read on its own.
3:32
